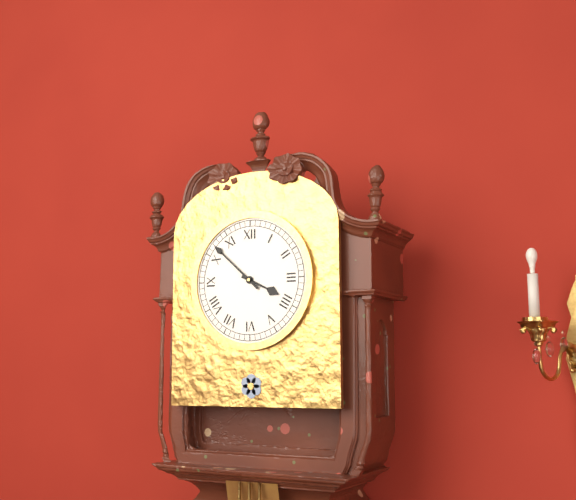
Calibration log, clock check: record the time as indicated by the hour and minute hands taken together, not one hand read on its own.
3:52
